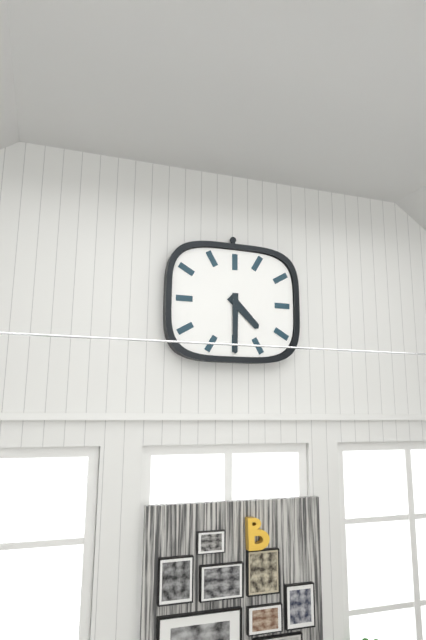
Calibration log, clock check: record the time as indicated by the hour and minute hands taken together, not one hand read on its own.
4:30
